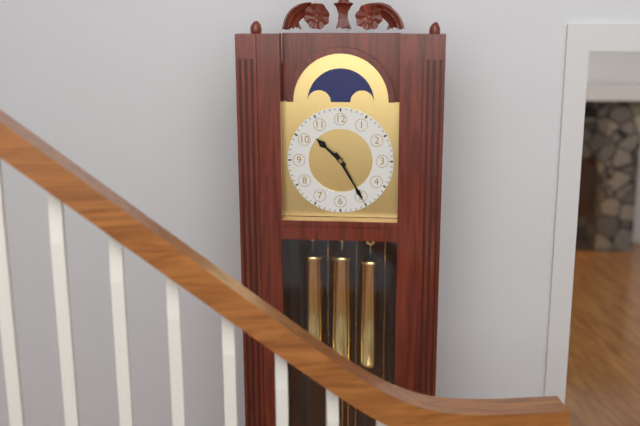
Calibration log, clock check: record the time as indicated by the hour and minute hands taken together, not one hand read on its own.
10:25
